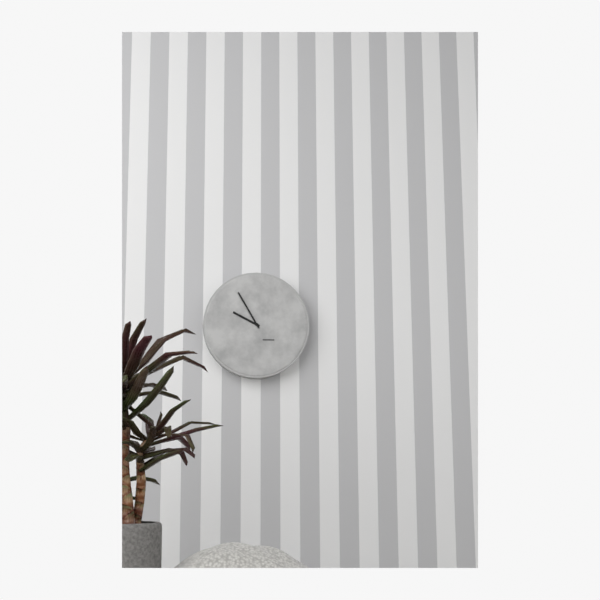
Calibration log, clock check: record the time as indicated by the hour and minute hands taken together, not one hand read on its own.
9:55
